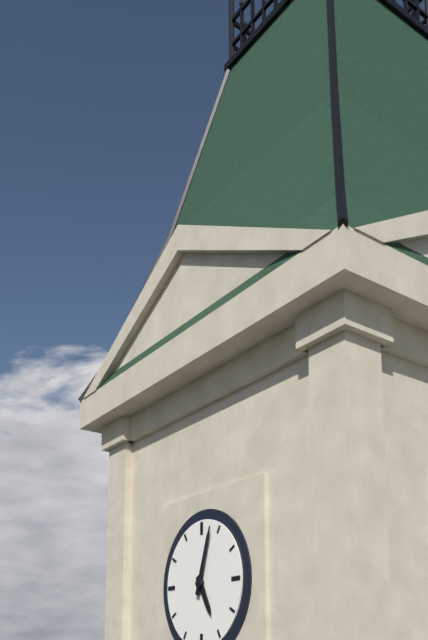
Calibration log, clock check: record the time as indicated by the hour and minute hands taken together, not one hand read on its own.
5:03
